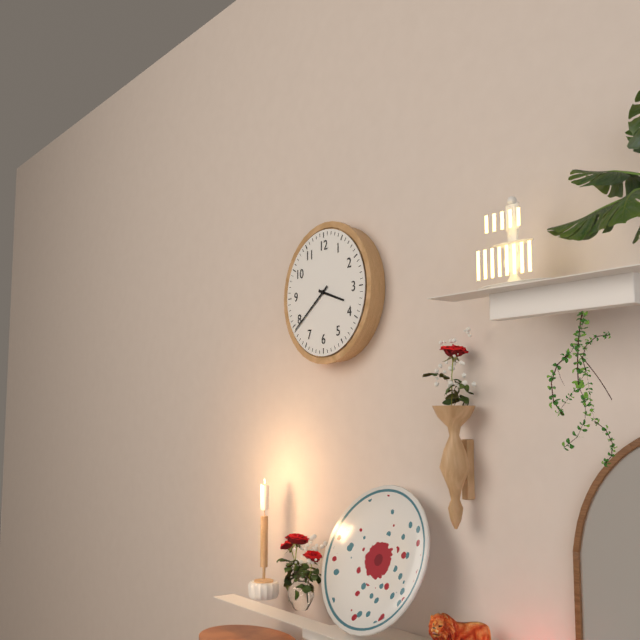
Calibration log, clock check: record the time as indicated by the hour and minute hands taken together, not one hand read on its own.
3:39
